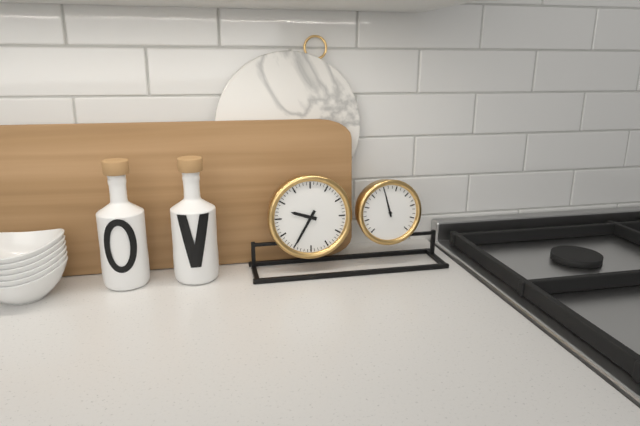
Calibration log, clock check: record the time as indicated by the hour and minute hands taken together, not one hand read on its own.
9:35
